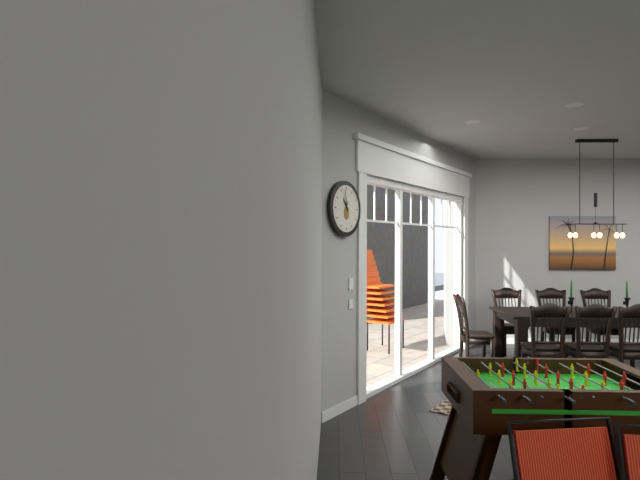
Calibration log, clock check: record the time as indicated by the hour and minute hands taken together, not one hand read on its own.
10:58
